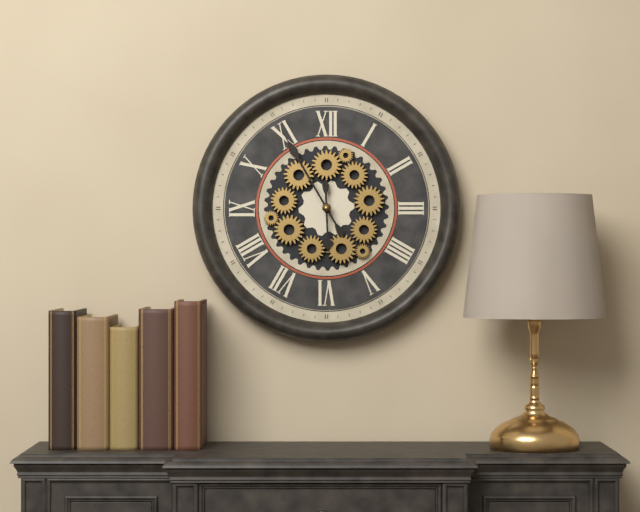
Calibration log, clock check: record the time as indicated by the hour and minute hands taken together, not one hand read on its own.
5:55
